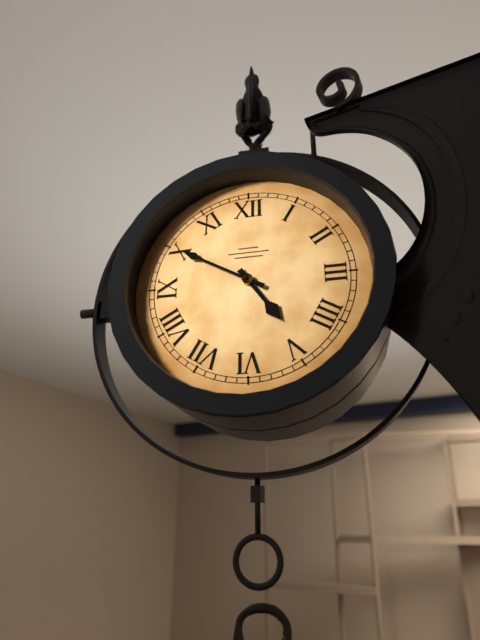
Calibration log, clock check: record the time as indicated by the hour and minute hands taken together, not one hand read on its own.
4:50
